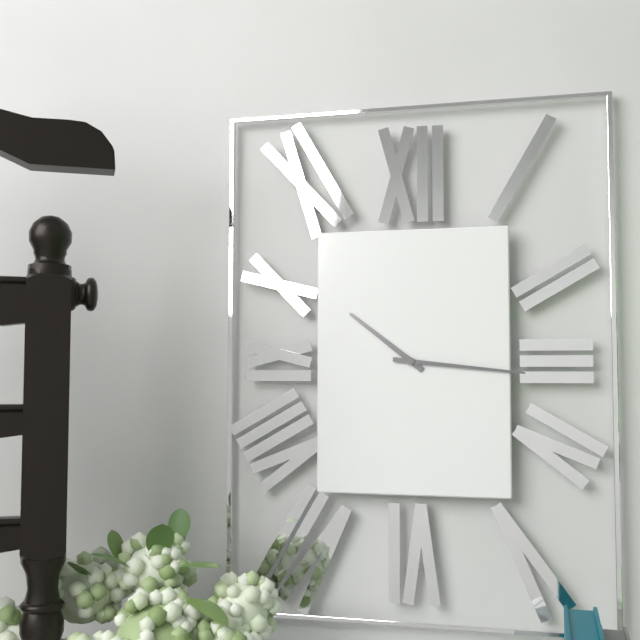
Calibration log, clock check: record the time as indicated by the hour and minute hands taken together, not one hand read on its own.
10:16
